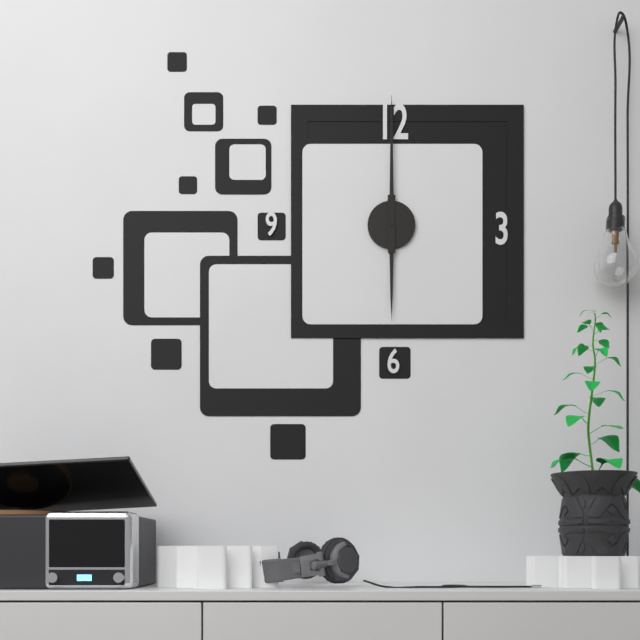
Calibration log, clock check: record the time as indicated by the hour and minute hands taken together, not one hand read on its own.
6:00
